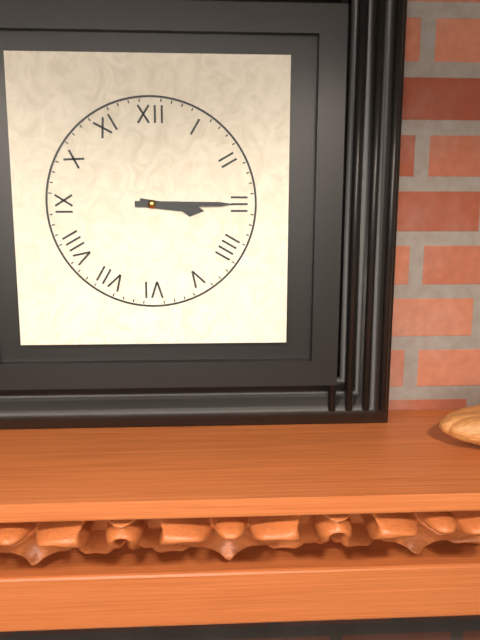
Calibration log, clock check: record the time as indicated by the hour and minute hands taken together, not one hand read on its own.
3:15
